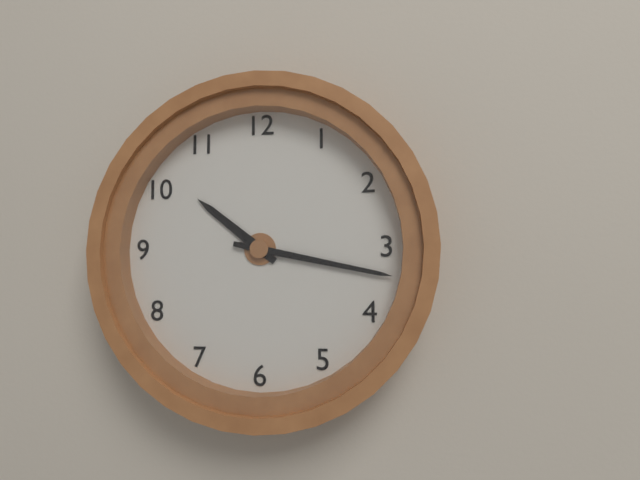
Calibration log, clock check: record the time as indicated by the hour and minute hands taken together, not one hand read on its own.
10:17
